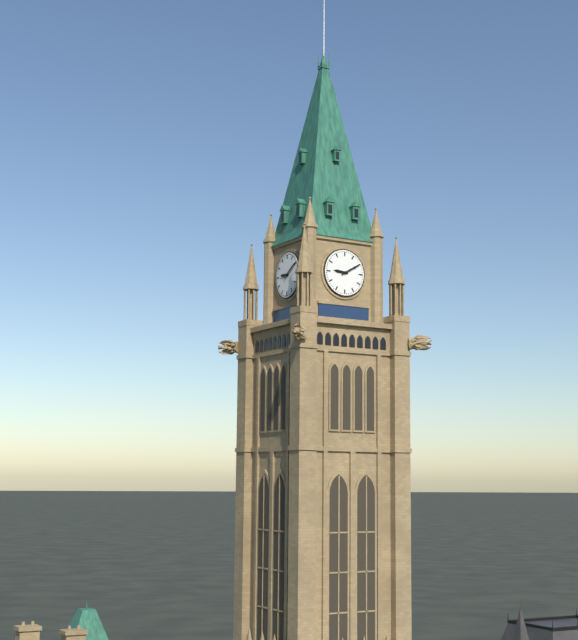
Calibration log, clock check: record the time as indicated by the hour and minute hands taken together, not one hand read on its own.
9:10
